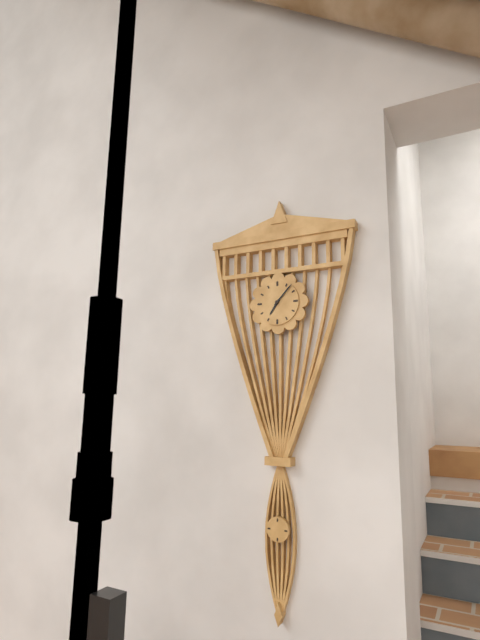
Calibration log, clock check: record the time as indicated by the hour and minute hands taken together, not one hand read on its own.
7:07
